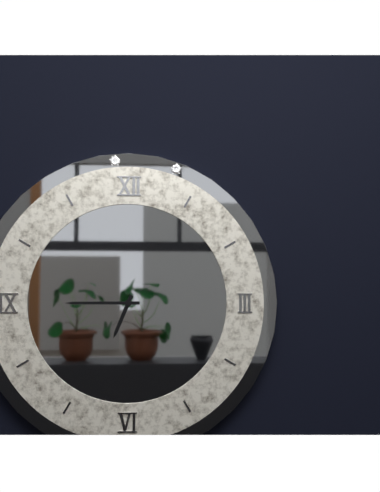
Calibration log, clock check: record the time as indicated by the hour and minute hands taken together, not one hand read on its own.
6:45
